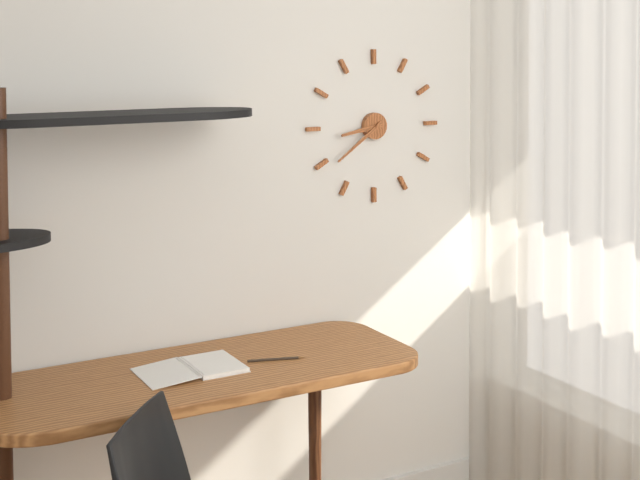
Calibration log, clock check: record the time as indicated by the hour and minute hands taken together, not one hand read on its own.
8:39
